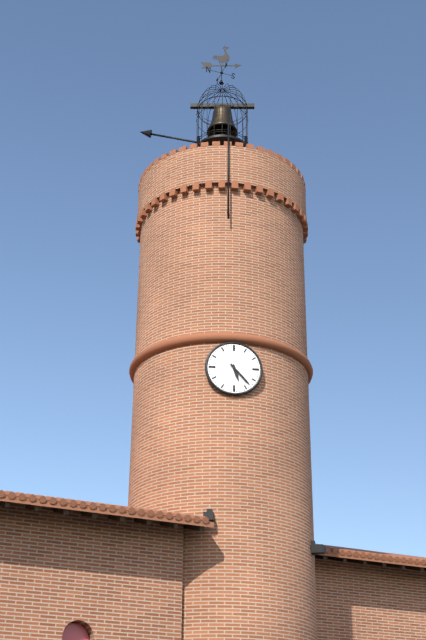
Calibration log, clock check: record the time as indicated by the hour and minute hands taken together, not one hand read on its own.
5:23
